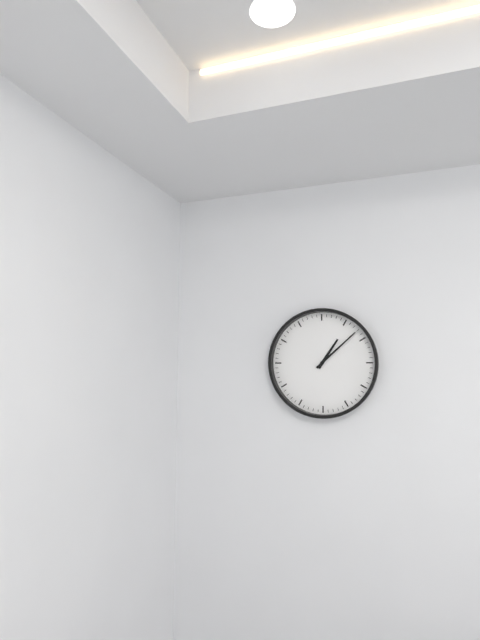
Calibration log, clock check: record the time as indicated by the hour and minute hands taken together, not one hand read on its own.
1:08
